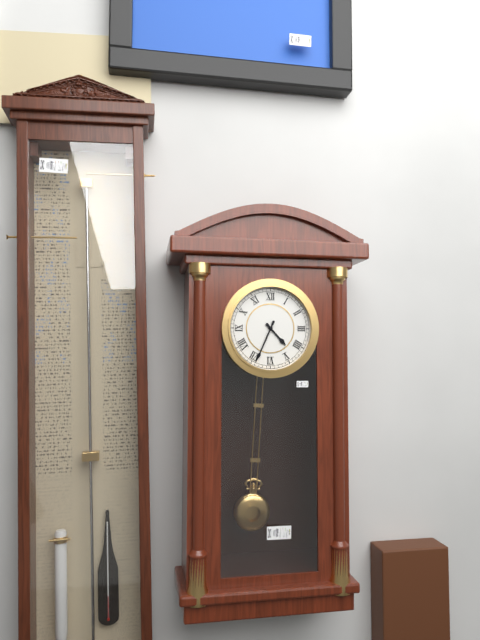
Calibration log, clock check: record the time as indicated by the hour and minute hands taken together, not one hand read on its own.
4:34
